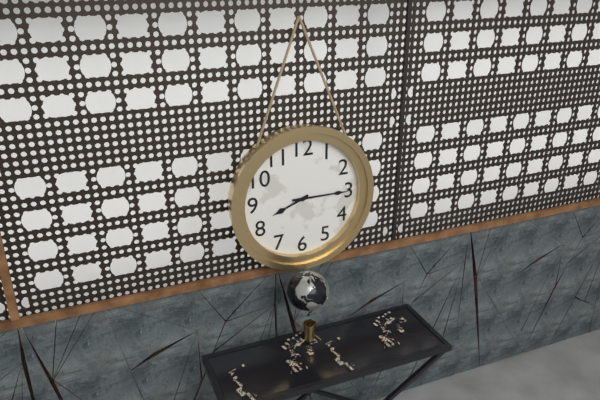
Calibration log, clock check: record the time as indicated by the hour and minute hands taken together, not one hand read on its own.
8:15
